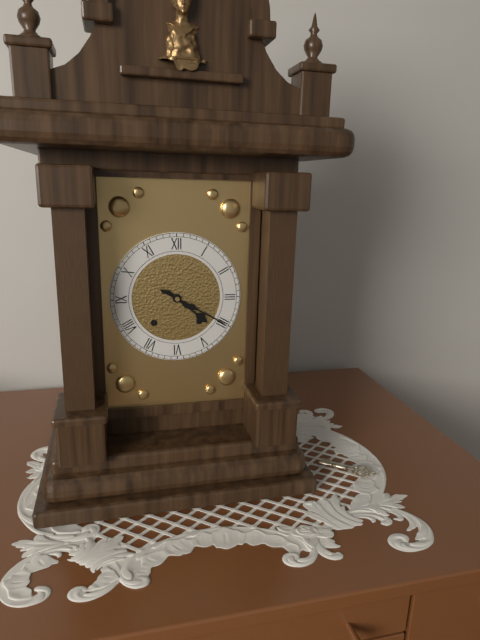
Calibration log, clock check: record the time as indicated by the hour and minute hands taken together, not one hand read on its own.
4:20
